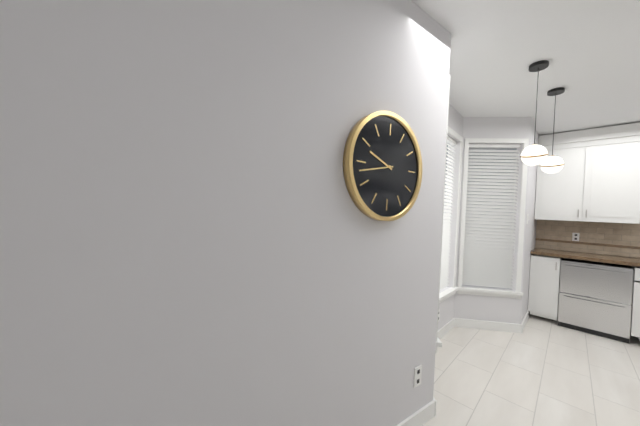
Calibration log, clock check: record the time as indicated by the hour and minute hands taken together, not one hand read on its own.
9:43
